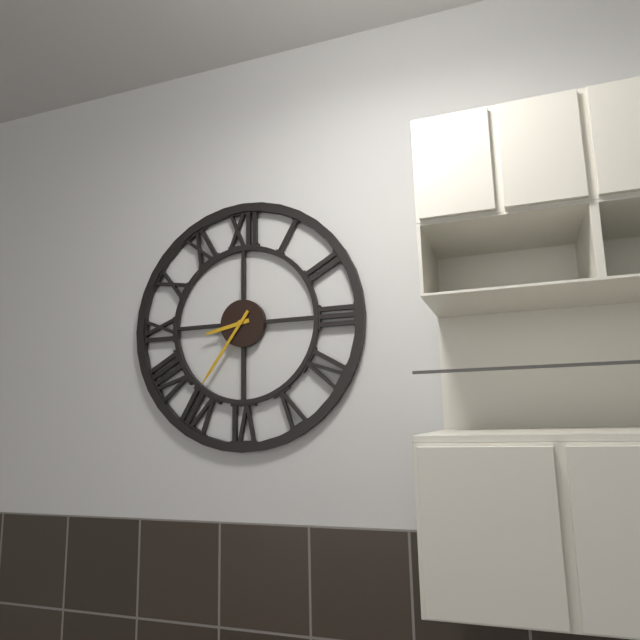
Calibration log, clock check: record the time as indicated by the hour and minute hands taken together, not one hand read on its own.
8:36
